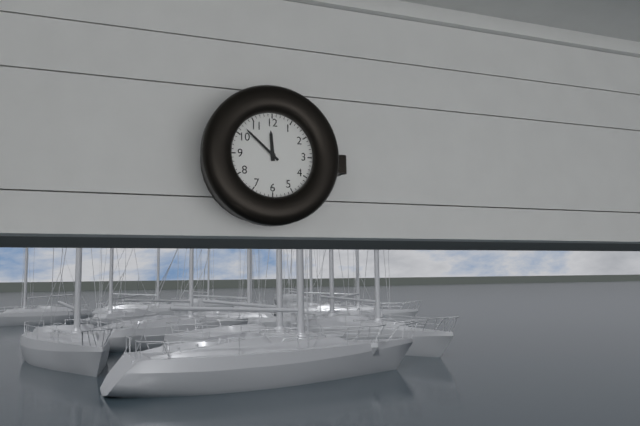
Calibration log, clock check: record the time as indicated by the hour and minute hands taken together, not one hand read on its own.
11:52
